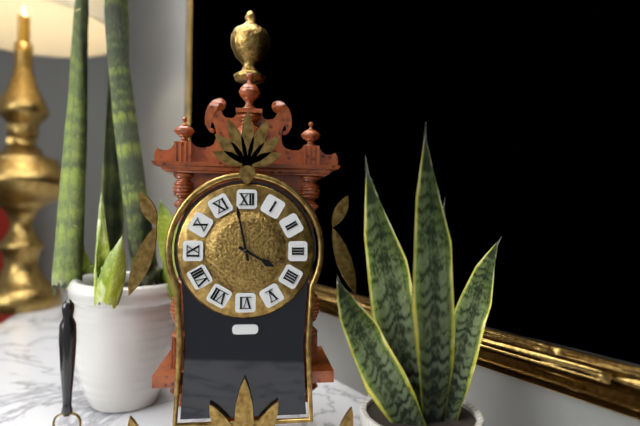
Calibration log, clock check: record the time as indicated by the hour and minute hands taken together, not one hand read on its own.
3:58
